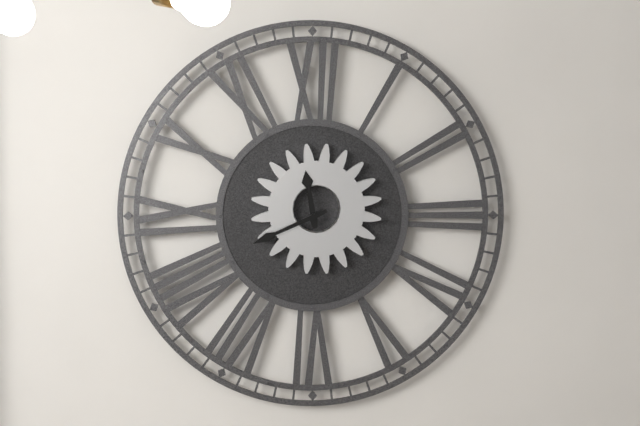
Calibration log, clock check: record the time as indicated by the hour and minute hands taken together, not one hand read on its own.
11:41
